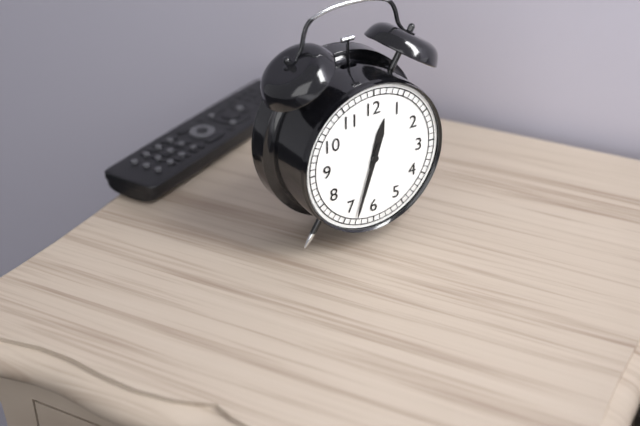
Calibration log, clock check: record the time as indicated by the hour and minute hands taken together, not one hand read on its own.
12:33
